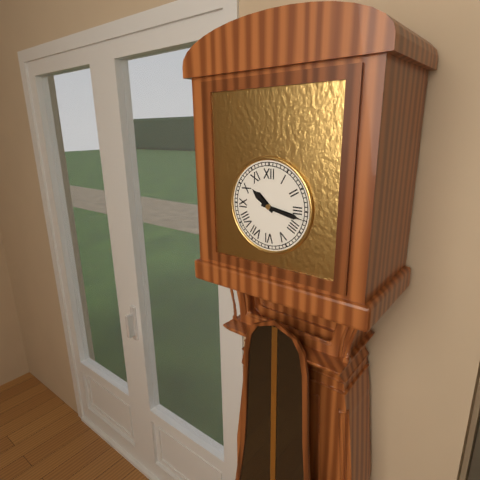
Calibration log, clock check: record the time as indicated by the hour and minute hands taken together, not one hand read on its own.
10:17
